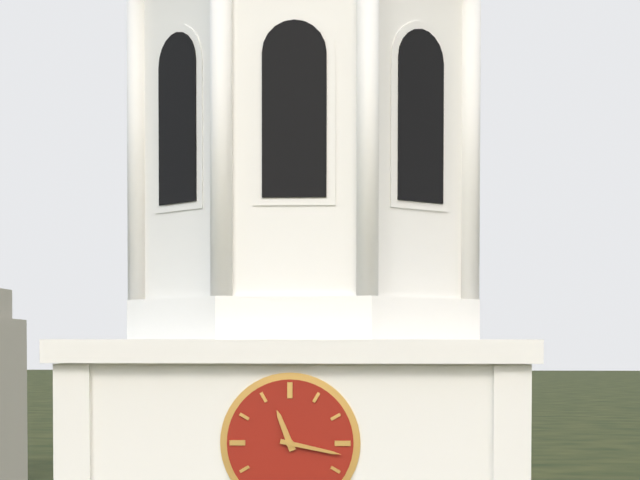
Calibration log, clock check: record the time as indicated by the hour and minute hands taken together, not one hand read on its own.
11:17
